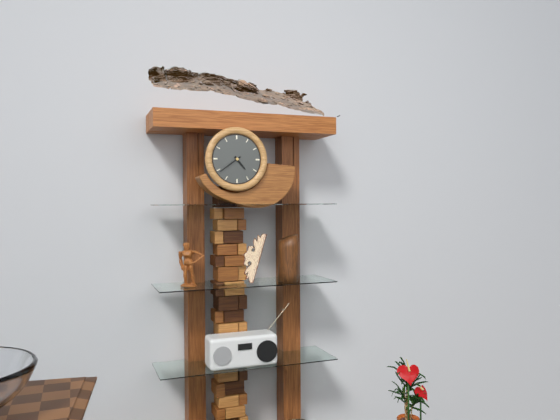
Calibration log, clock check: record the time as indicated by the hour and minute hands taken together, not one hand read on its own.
4:39
